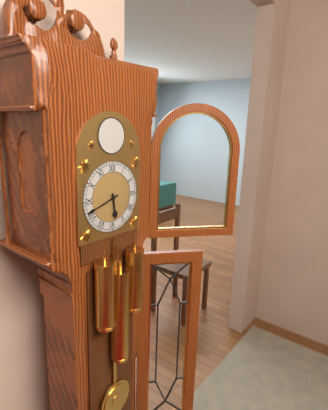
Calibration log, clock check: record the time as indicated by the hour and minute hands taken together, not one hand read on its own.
5:42
